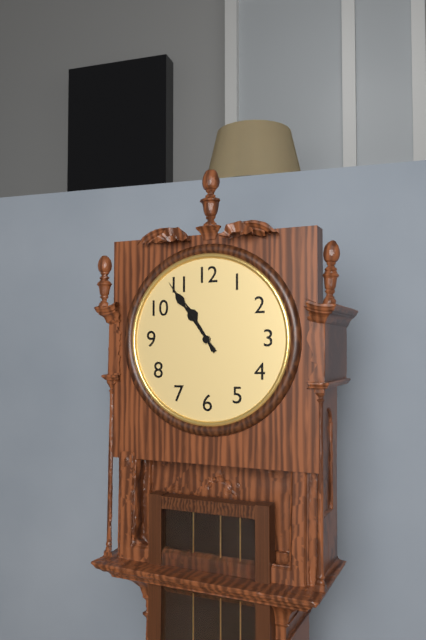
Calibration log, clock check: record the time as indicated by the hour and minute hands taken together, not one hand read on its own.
10:54
